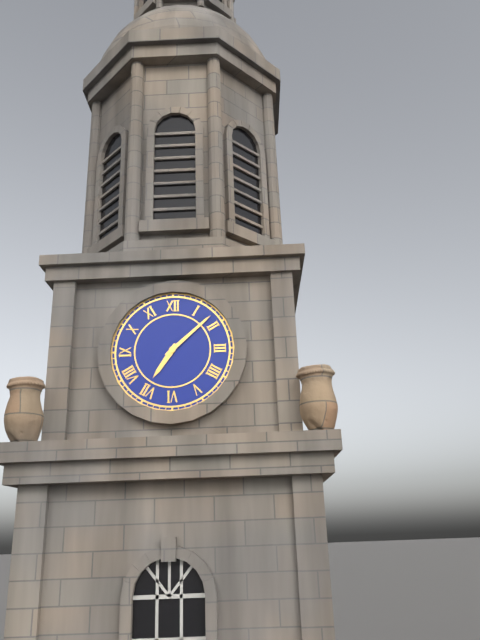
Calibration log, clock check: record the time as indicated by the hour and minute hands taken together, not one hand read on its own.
7:08
